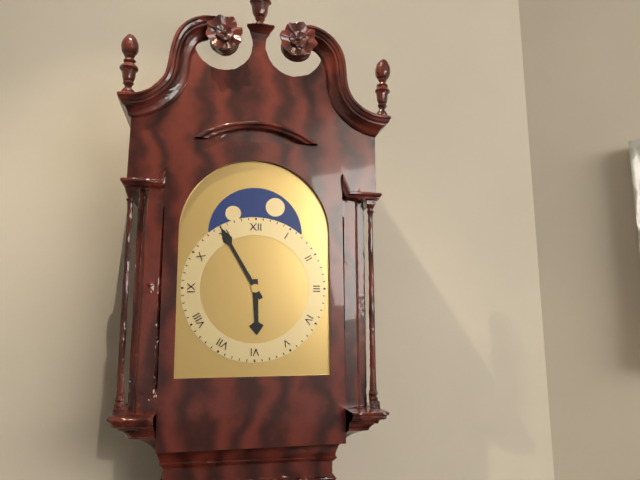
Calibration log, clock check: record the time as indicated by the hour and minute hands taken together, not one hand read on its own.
5:55
